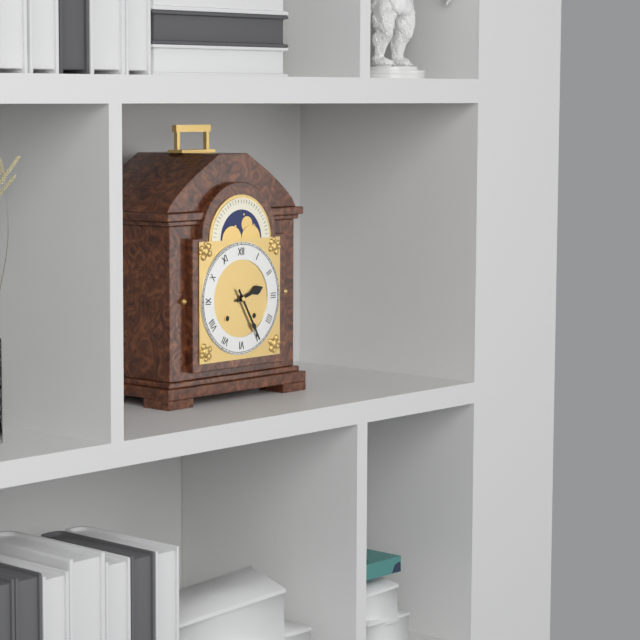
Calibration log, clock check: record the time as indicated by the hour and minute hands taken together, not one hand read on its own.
2:25
